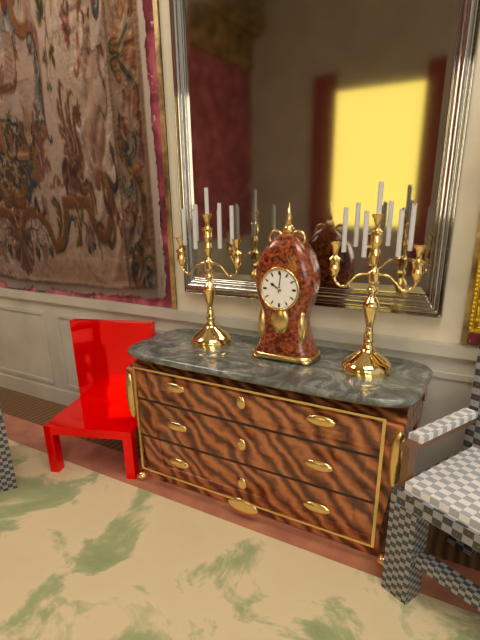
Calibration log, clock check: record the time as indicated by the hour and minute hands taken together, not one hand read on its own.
10:01
